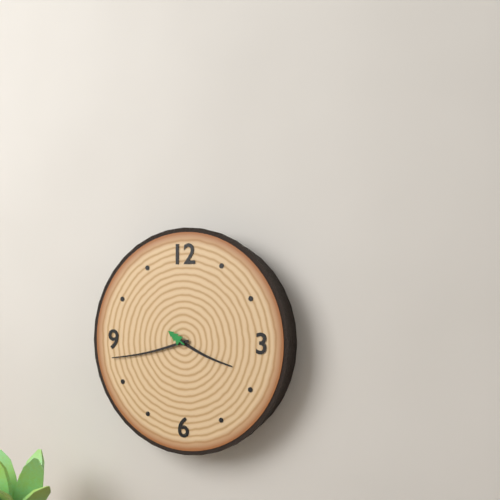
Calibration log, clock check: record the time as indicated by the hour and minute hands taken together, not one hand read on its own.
3:43
